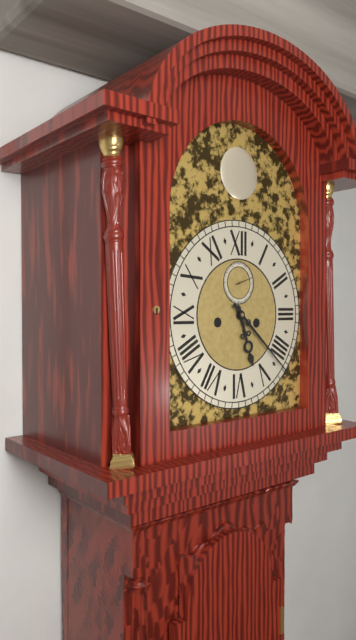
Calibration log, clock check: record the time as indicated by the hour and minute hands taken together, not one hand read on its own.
5:22
